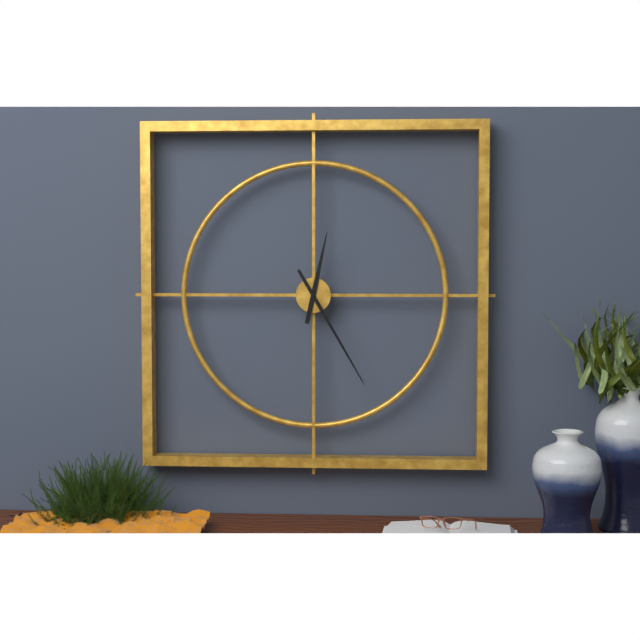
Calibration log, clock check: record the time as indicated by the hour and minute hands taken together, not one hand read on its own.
12:25
